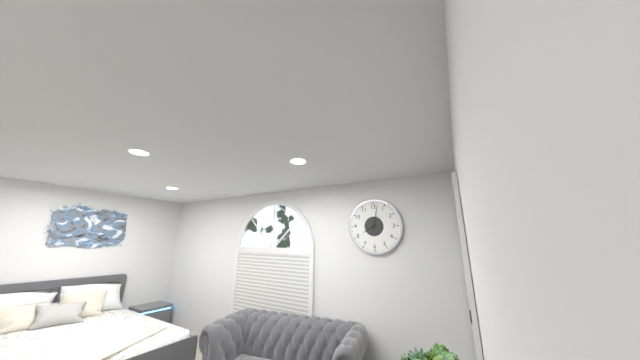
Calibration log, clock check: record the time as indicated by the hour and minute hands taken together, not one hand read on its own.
8:02
